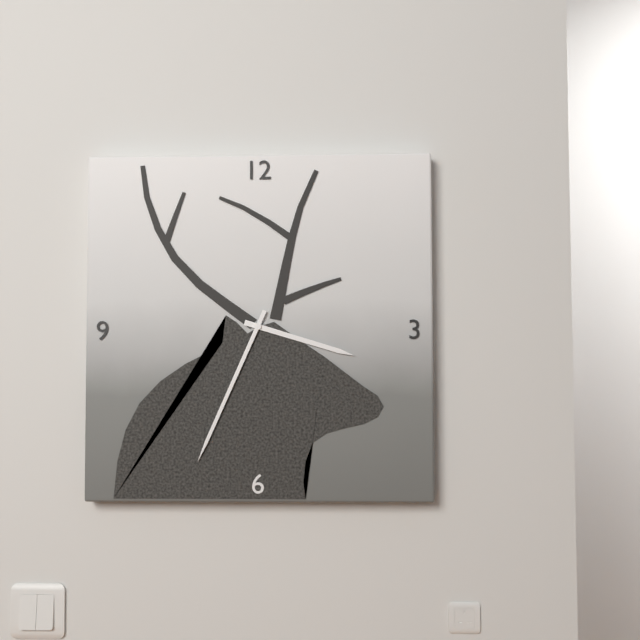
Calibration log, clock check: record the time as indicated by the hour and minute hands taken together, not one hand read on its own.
3:34
